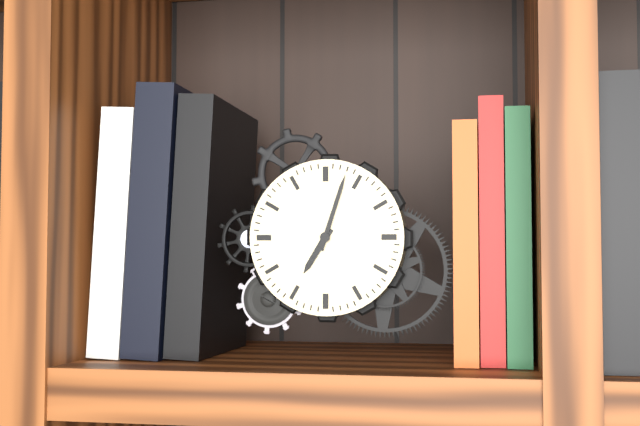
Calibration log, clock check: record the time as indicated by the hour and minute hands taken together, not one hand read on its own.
7:03
